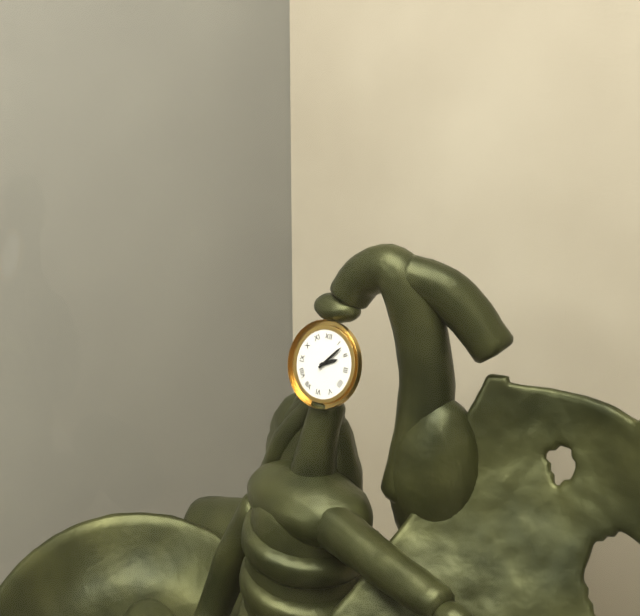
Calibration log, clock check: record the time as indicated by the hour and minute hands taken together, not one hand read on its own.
2:07
